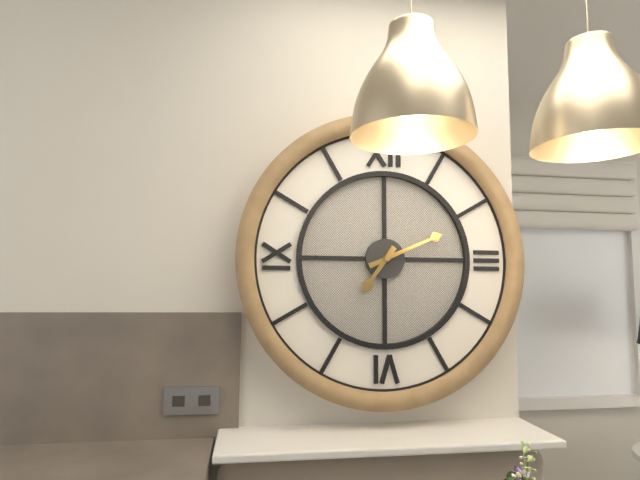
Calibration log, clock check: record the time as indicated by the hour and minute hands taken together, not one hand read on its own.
7:11
